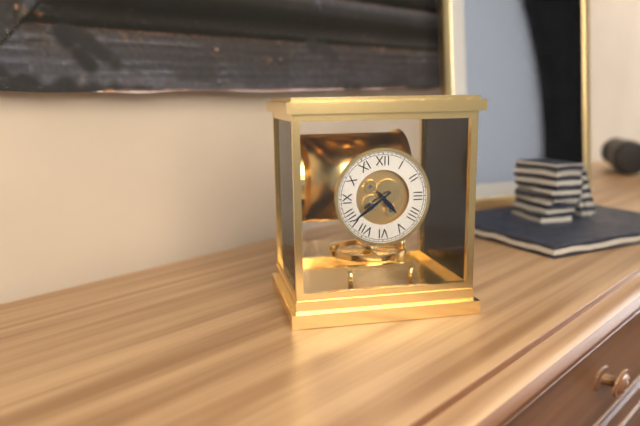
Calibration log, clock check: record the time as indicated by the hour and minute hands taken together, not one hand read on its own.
4:39
